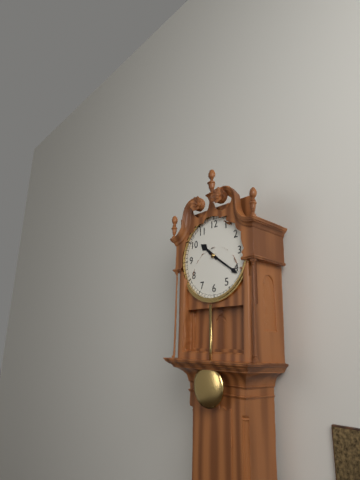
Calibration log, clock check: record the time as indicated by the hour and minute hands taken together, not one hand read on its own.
10:21
